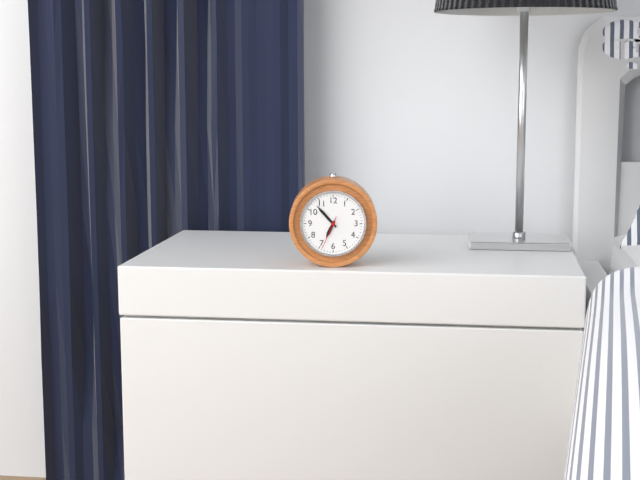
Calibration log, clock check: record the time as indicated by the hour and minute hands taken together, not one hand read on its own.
6:53
